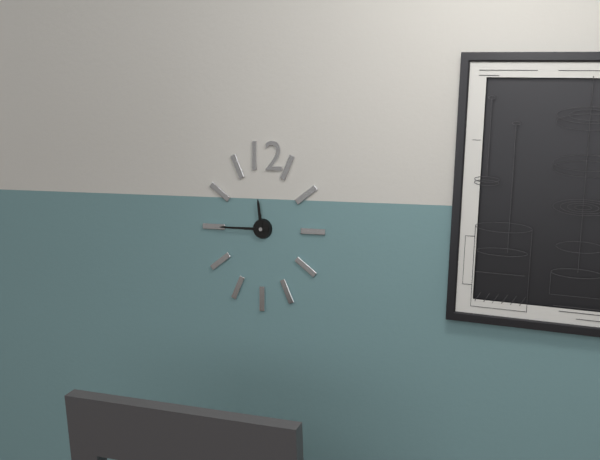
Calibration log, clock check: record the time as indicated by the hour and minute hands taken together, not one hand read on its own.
11:45
